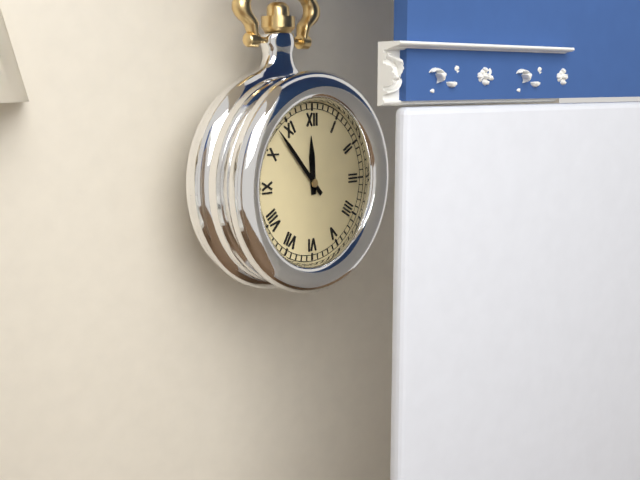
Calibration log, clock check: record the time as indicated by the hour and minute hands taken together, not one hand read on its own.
11:53
